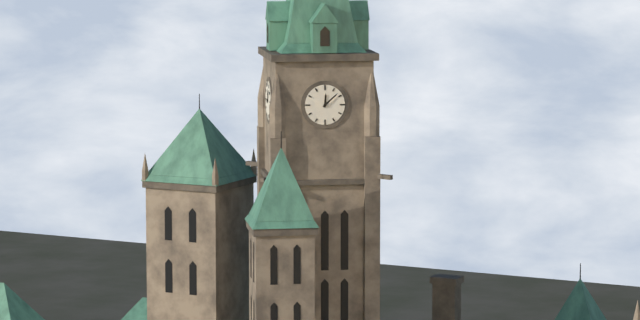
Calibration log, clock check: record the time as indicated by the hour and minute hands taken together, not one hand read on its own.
12:08
